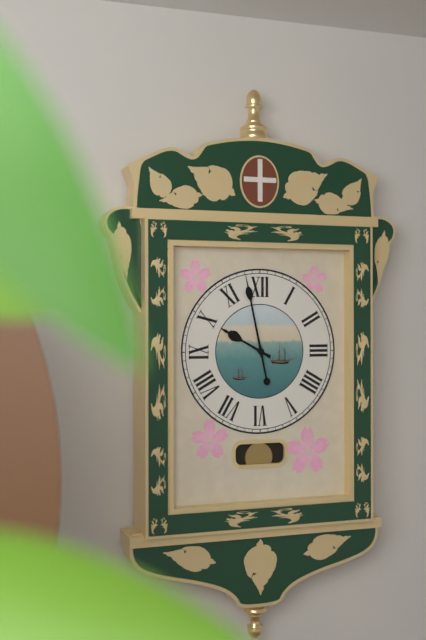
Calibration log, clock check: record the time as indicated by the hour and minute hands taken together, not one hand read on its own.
9:58
